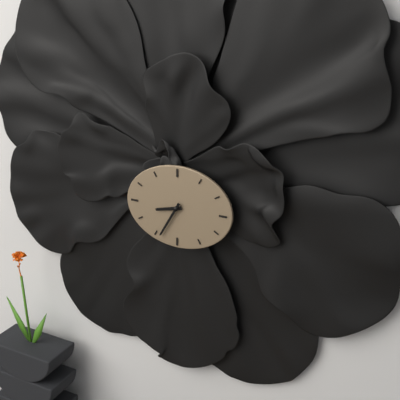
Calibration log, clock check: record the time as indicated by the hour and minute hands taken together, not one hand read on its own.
8:35
